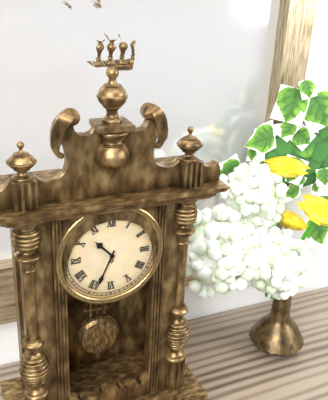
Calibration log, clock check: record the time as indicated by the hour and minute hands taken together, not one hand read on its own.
10:34
